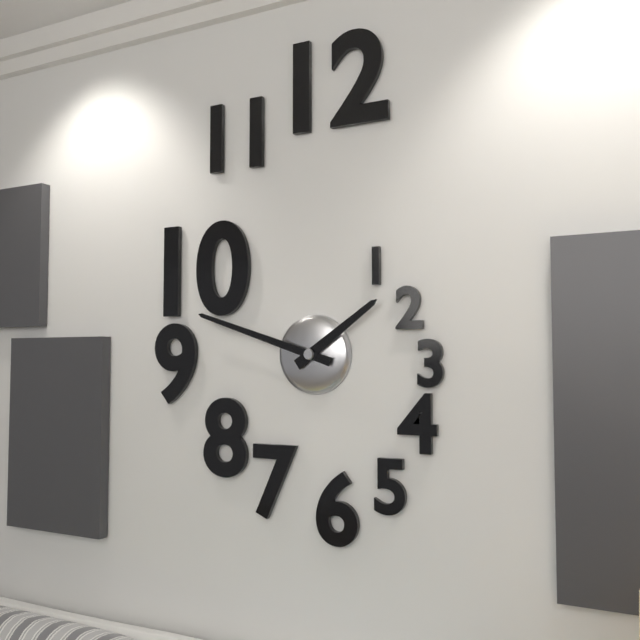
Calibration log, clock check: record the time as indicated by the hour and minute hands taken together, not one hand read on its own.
1:48
